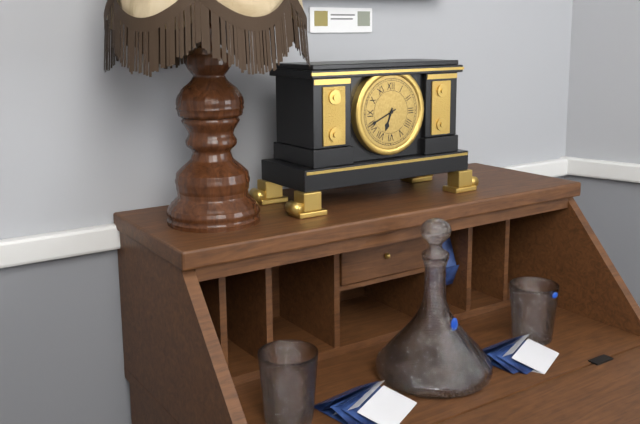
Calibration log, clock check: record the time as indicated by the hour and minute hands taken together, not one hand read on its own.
6:41
